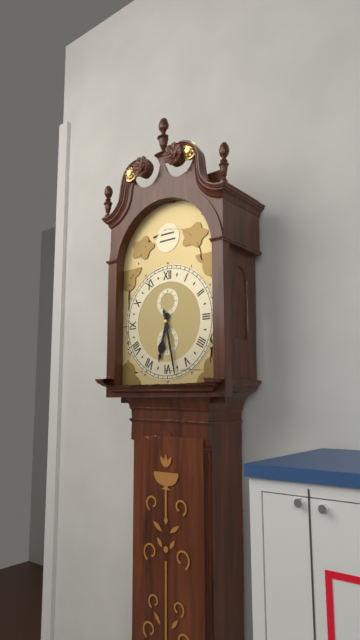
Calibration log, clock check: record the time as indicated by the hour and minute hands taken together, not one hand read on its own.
6:28
